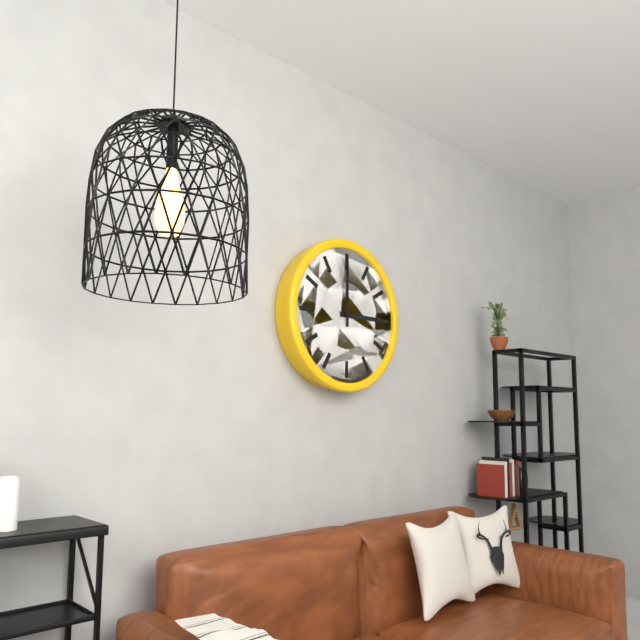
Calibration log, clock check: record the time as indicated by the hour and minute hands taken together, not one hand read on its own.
3:00
